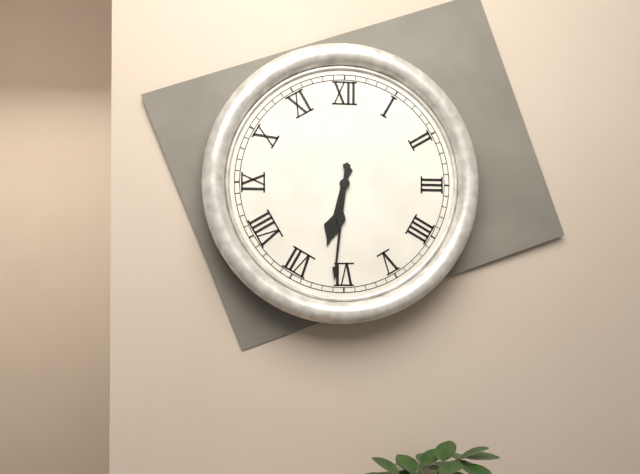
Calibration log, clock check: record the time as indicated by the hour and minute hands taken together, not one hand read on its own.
6:31
